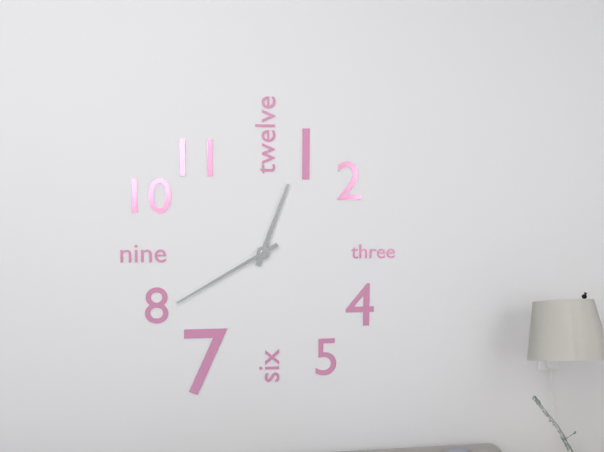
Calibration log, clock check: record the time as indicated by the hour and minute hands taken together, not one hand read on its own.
12:40
